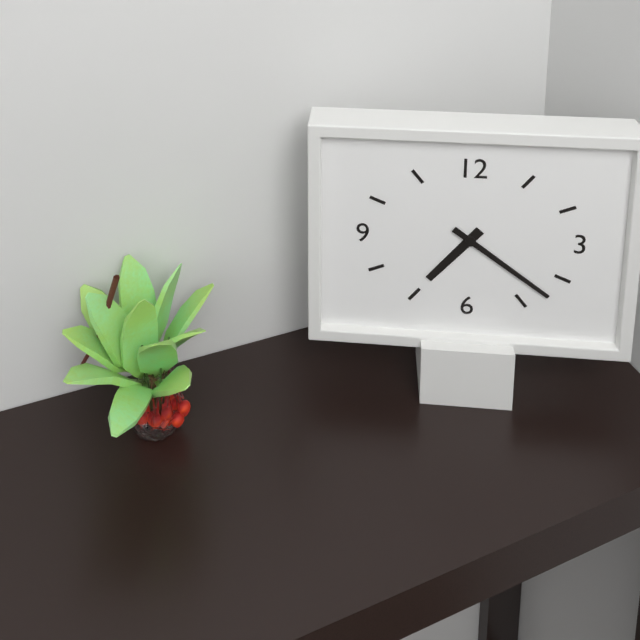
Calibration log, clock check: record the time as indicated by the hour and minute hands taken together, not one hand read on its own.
7:21
